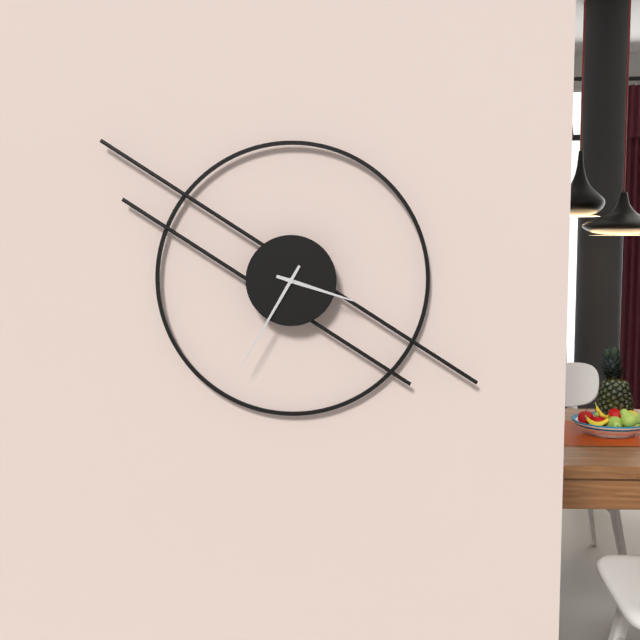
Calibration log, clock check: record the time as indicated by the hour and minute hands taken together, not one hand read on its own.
3:35
